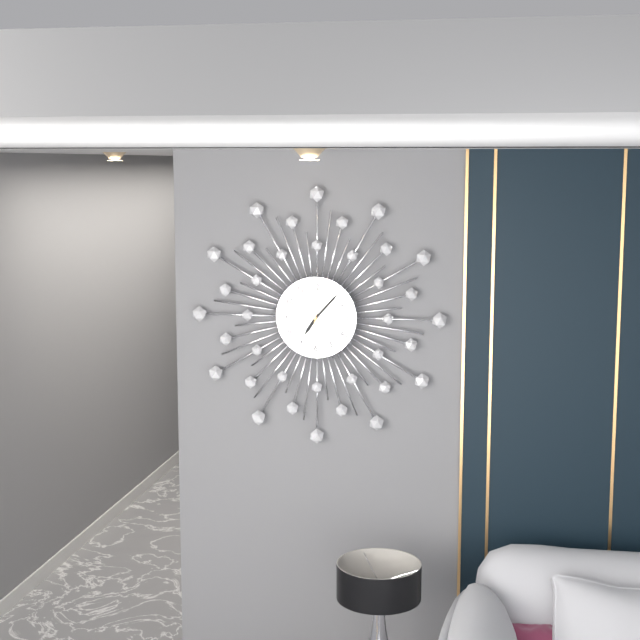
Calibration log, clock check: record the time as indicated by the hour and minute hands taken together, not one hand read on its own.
7:07
